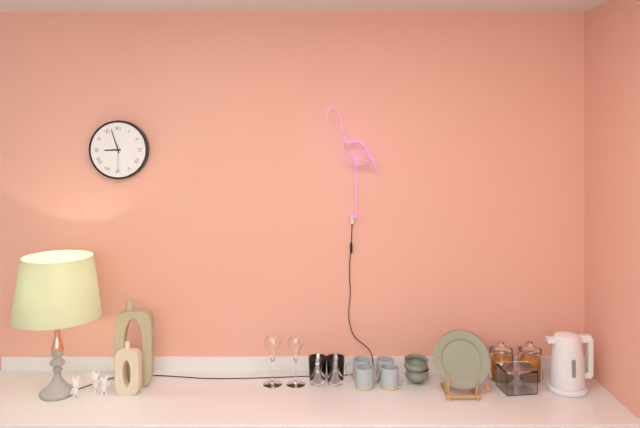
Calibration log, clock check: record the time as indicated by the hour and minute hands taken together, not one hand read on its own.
8:57
